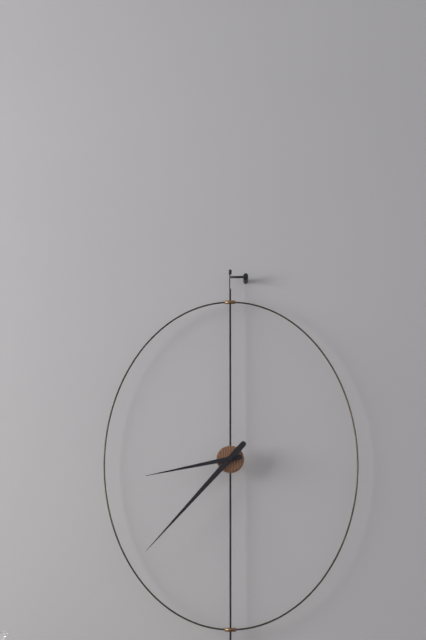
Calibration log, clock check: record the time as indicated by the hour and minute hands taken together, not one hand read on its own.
8:37
